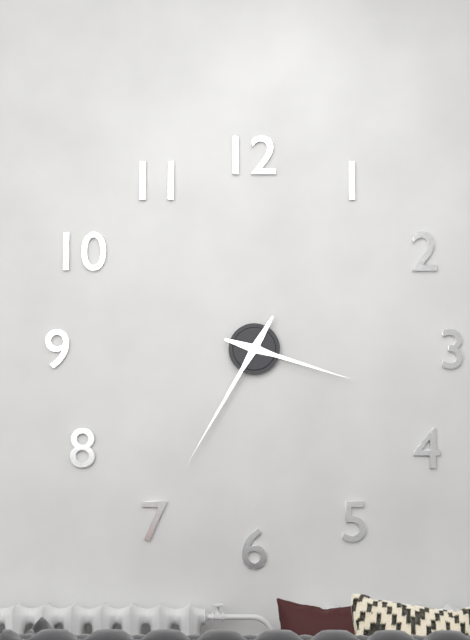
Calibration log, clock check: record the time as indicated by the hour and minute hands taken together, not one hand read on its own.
3:35
